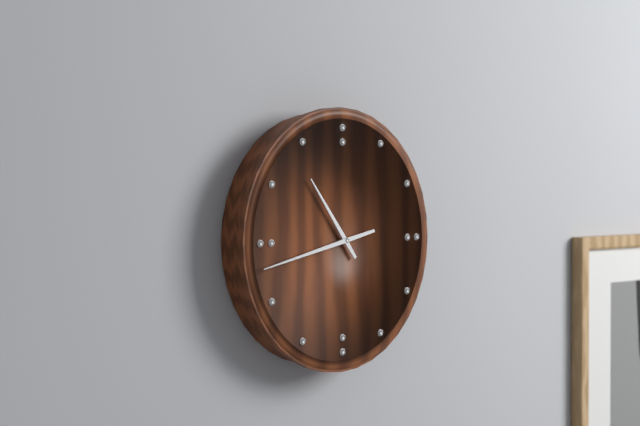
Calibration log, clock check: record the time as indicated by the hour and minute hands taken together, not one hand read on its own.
10:43
